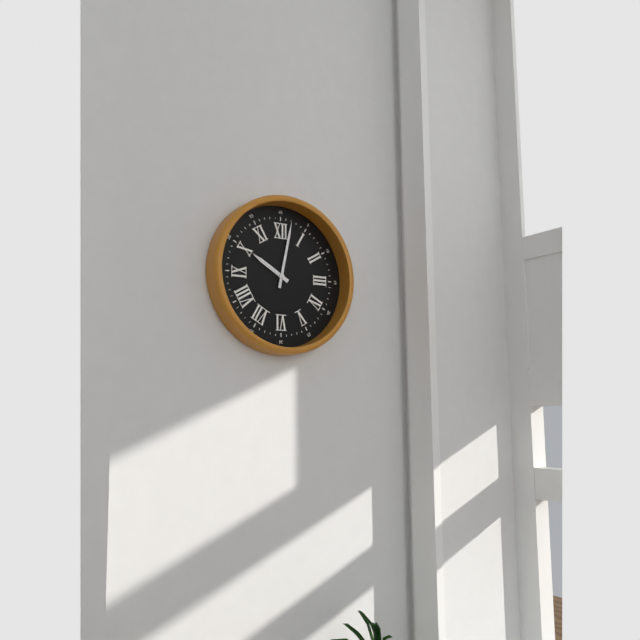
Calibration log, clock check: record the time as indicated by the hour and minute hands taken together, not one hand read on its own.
10:02
